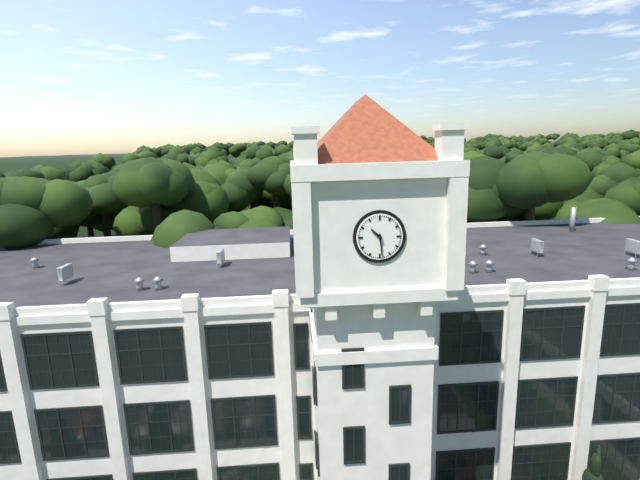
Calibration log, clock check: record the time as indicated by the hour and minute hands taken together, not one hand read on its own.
10:29
